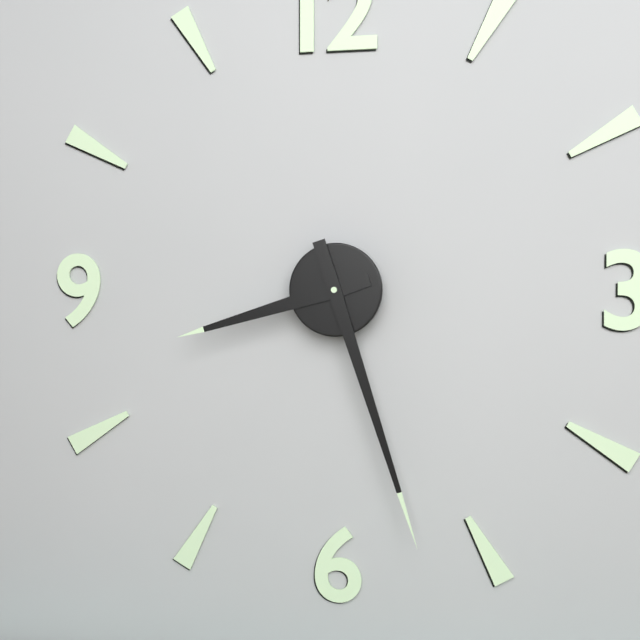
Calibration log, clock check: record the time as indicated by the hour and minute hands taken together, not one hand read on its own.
8:27
